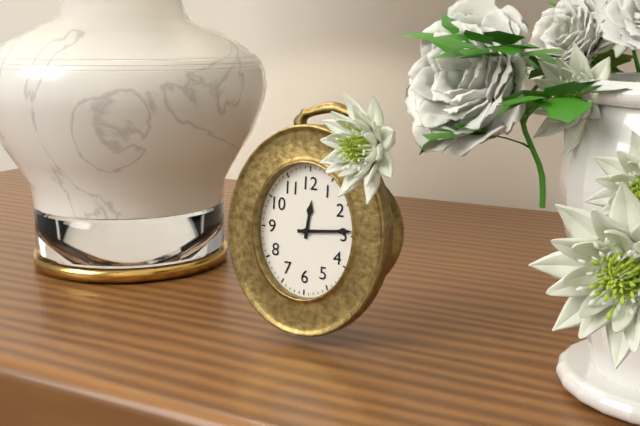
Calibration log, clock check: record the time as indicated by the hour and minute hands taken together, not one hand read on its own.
12:14
